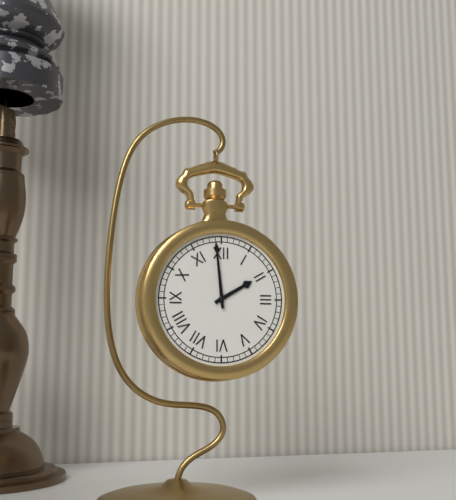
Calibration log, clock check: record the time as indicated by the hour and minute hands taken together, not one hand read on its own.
1:59
